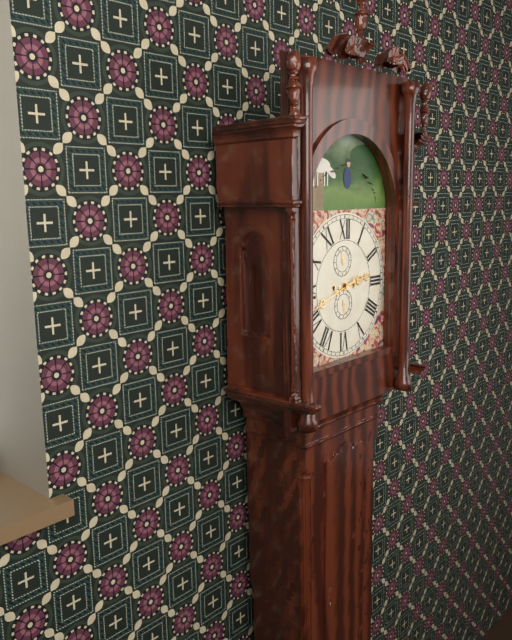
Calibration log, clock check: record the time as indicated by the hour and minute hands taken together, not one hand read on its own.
2:42
